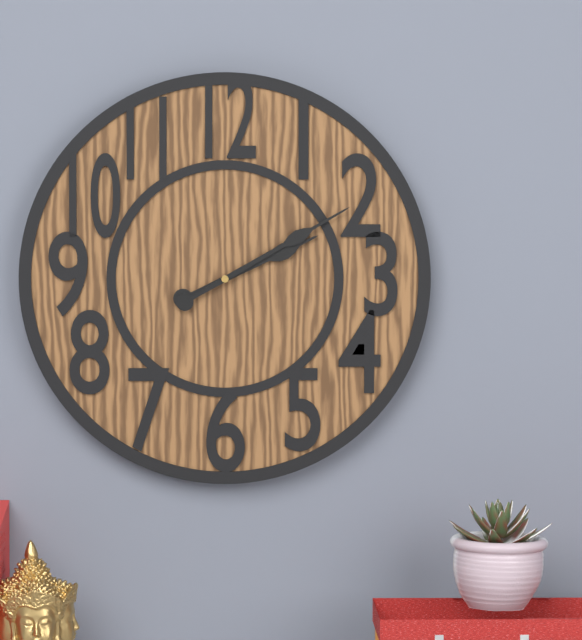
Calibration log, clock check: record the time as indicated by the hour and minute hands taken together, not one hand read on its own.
2:10
